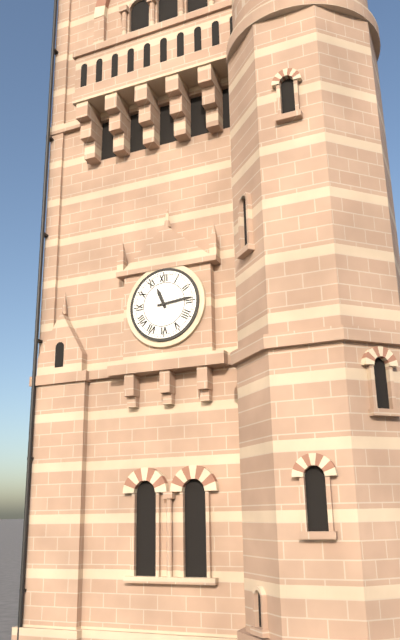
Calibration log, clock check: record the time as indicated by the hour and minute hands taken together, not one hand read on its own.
11:14
